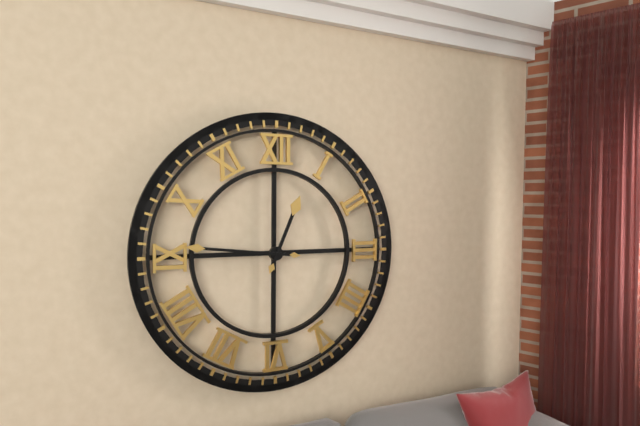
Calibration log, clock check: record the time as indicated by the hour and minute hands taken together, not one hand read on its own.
12:46
